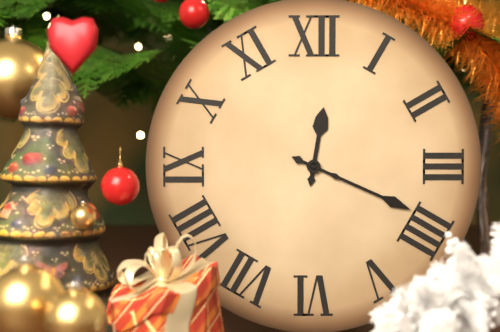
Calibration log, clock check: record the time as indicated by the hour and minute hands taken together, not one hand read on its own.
12:19
